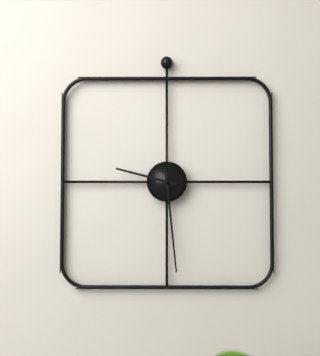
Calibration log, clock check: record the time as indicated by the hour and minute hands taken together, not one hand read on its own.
9:29
